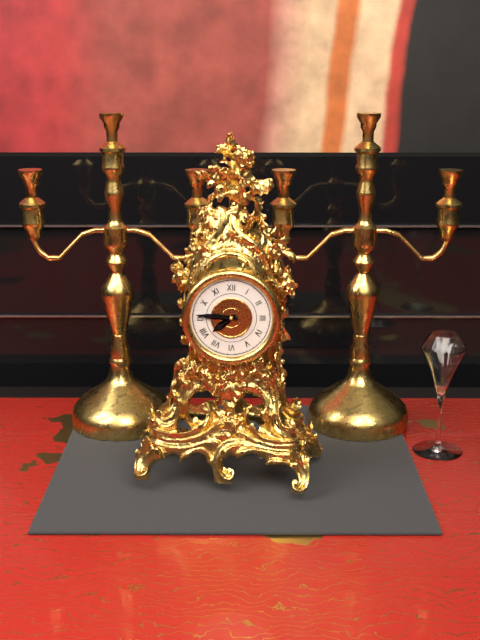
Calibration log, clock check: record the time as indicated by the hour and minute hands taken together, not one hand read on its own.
7:46
